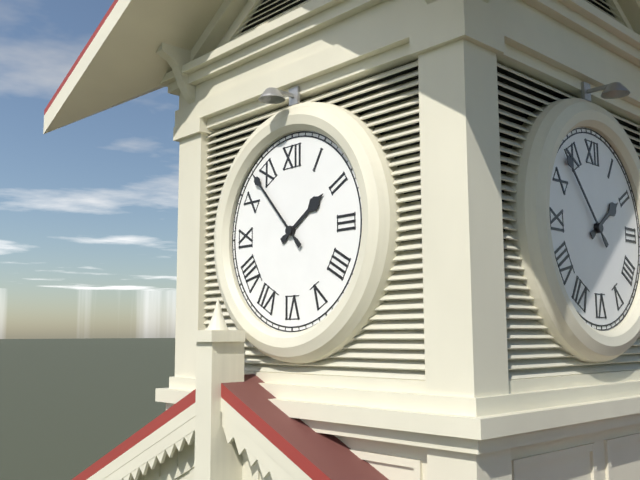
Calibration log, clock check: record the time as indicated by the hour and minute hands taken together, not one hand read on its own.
1:53
